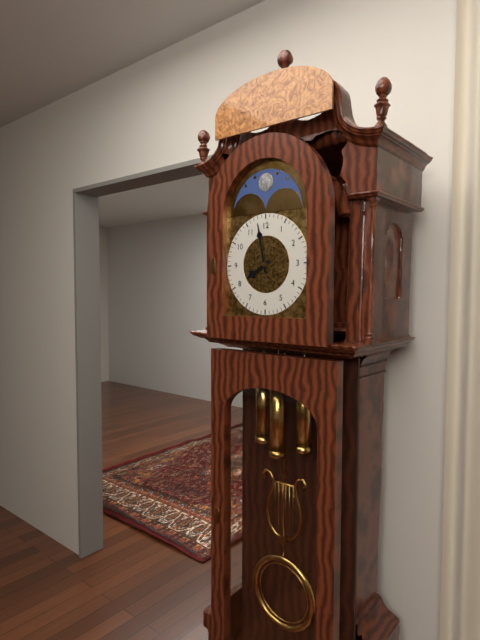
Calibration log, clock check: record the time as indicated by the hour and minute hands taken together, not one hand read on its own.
7:58
